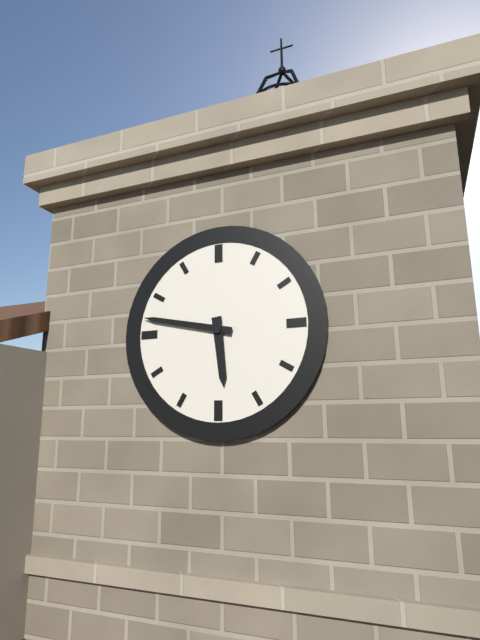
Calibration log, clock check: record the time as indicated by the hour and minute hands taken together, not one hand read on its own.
5:47
